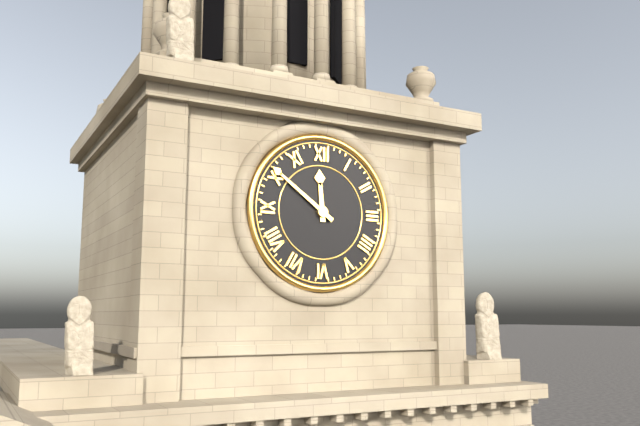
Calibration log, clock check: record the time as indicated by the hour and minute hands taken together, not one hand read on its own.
11:51
